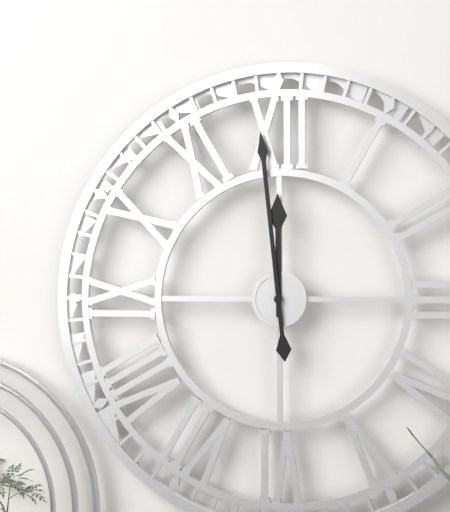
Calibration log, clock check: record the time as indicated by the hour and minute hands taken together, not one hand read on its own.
11:59
